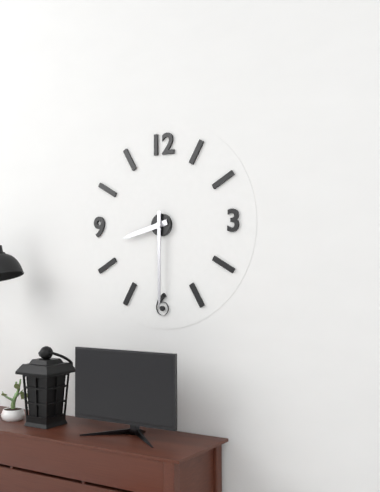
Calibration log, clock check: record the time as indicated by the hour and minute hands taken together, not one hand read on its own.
8:30
